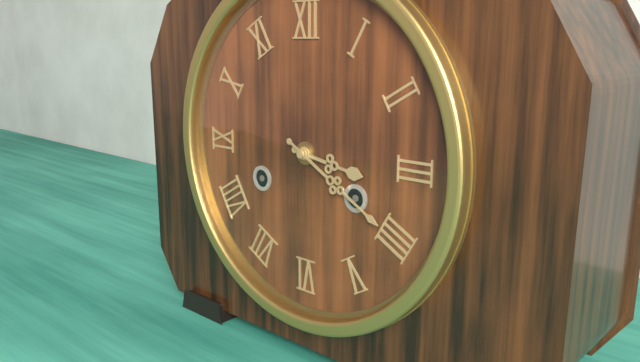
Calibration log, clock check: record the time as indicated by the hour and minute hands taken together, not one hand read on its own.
3:20
